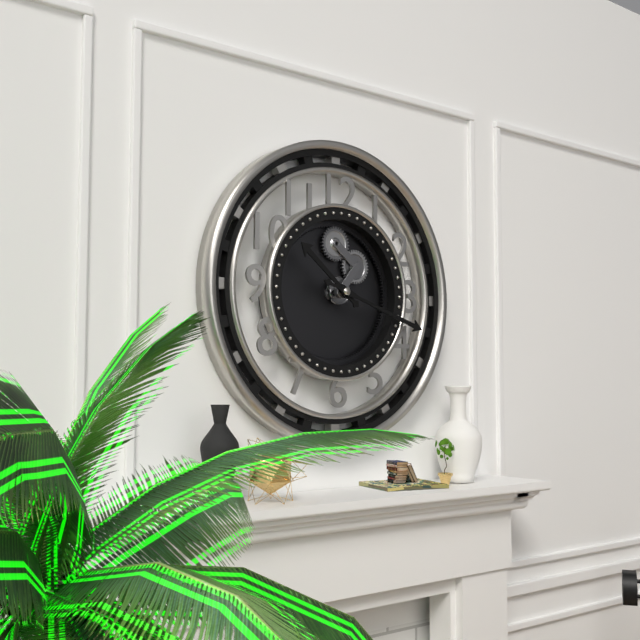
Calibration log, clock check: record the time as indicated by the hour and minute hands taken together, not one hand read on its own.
10:18
